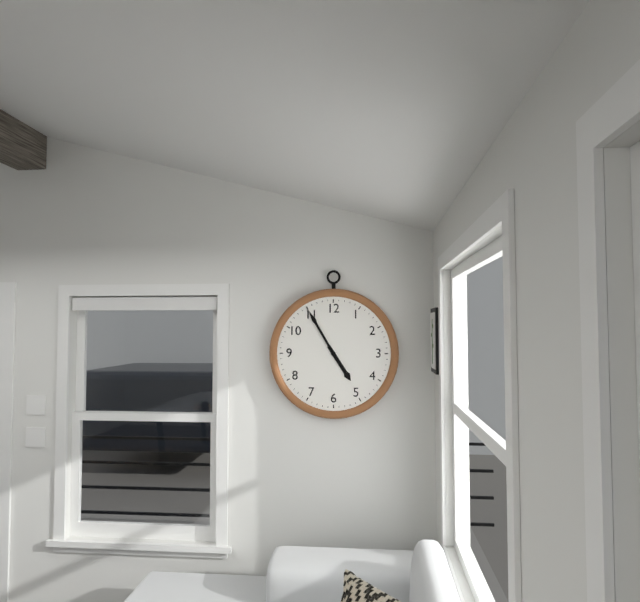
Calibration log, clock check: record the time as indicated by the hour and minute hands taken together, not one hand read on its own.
4:55
